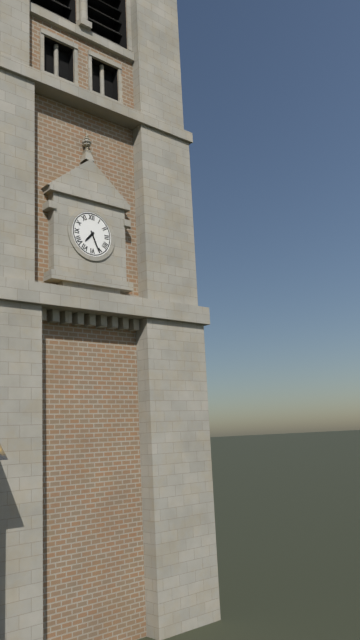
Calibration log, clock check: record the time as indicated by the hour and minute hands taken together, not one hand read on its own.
7:26
